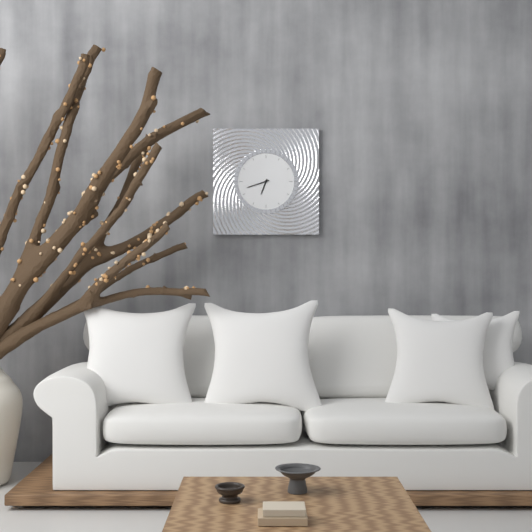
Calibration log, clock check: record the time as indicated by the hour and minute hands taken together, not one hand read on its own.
6:42
